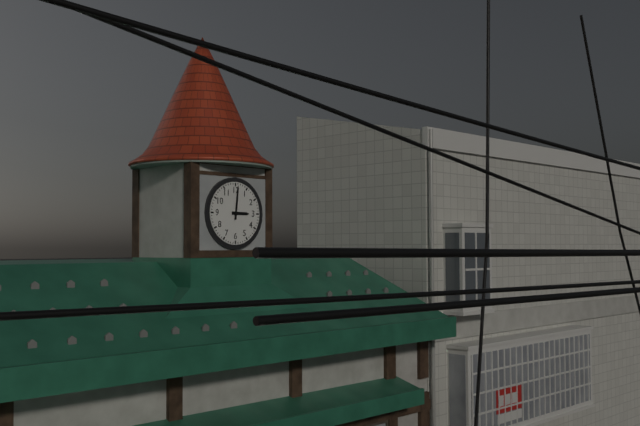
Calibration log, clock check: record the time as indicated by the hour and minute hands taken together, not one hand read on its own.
3:01
